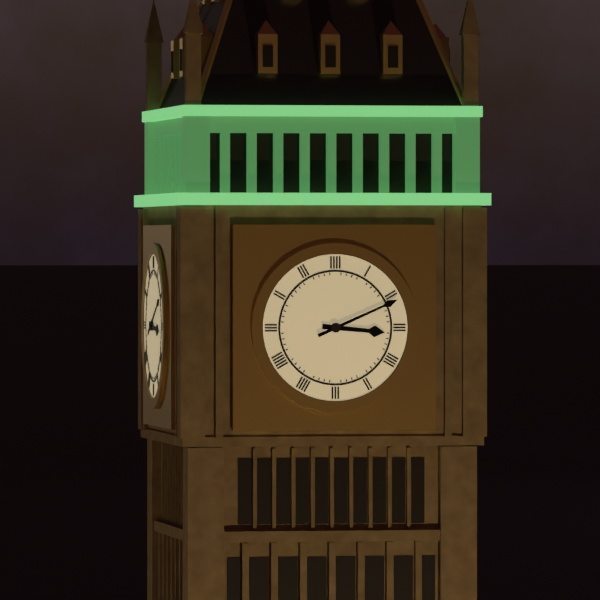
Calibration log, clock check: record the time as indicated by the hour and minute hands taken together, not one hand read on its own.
3:11
